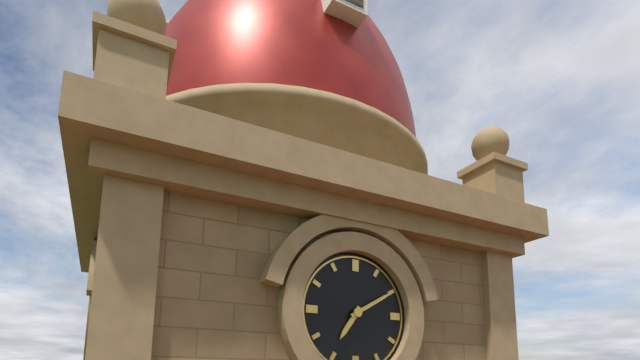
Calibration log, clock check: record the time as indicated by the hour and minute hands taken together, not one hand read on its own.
7:10
